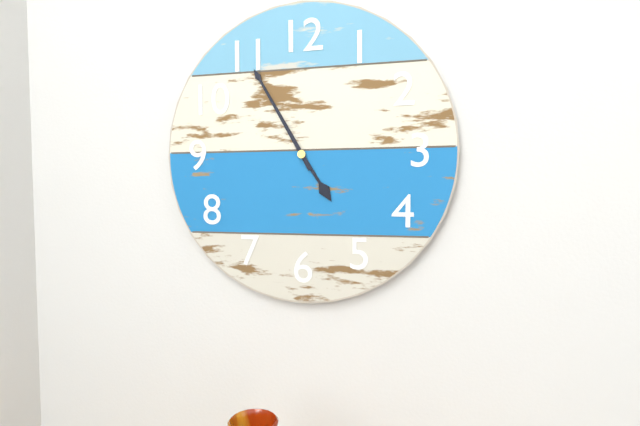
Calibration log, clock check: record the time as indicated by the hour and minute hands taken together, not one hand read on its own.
4:55
